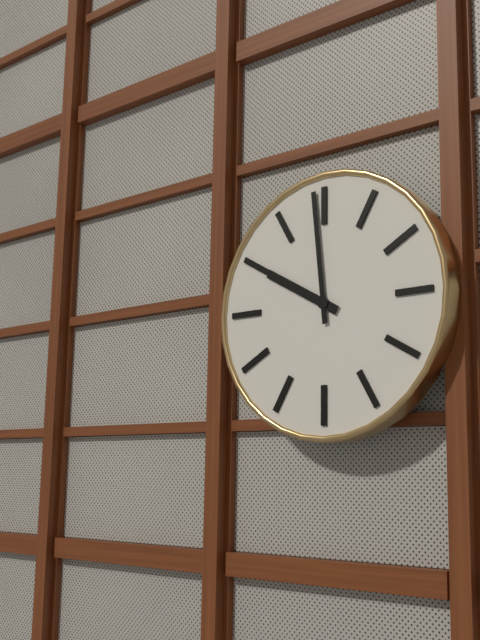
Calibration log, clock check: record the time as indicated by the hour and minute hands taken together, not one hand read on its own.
9:59
